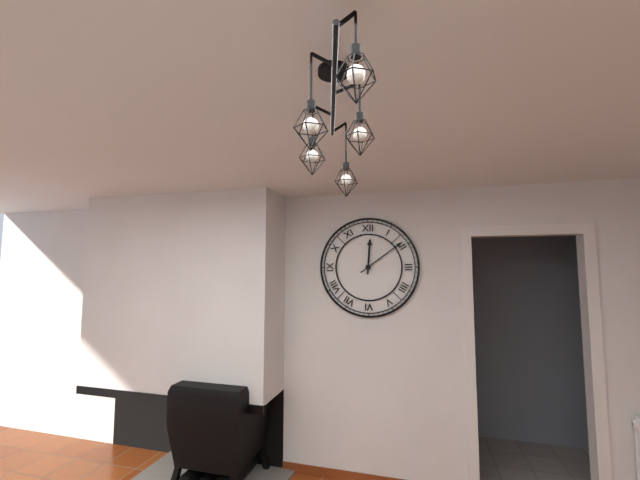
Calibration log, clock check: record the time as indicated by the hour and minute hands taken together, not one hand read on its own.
12:09
